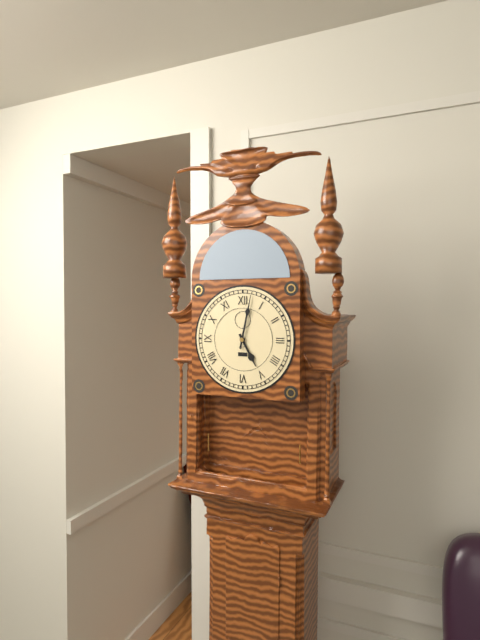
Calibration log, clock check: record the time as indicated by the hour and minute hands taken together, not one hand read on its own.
5:02
